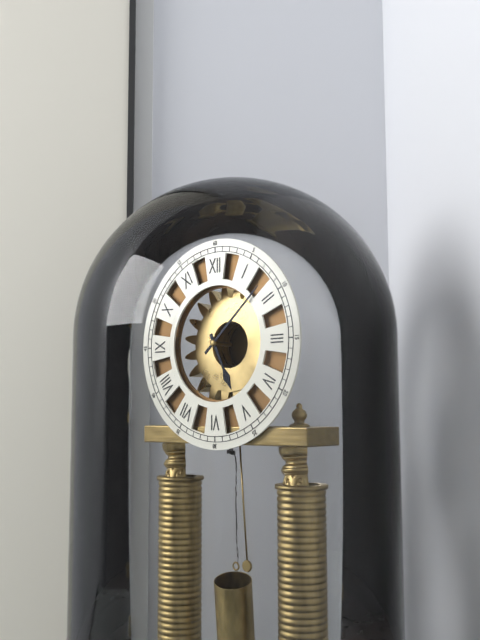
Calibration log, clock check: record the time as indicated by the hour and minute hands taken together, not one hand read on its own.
5:08
